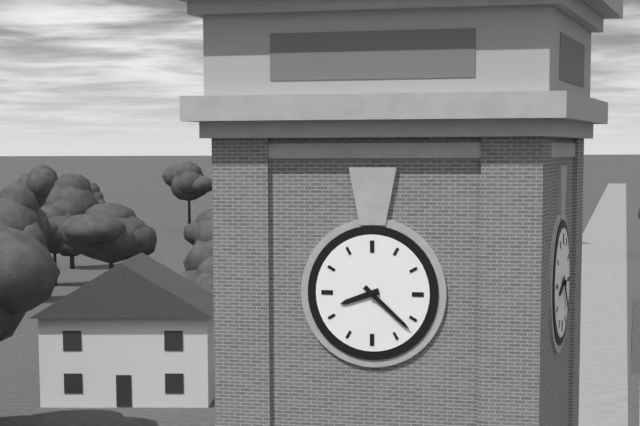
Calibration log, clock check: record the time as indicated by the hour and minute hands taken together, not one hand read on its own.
8:22
